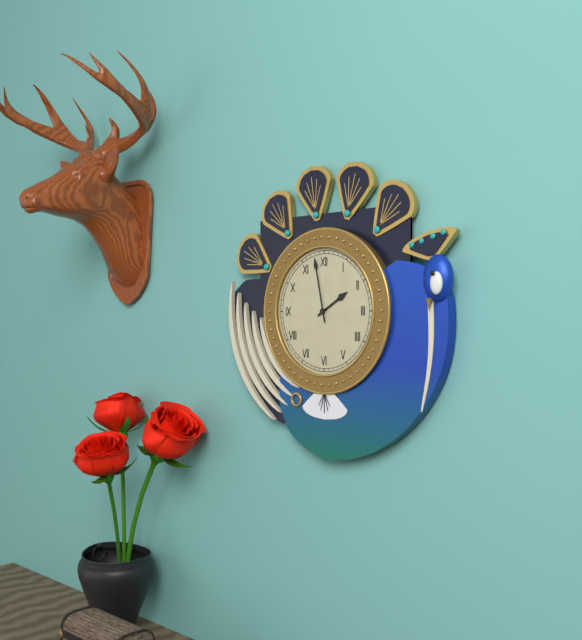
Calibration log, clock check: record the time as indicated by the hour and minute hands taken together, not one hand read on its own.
1:58
